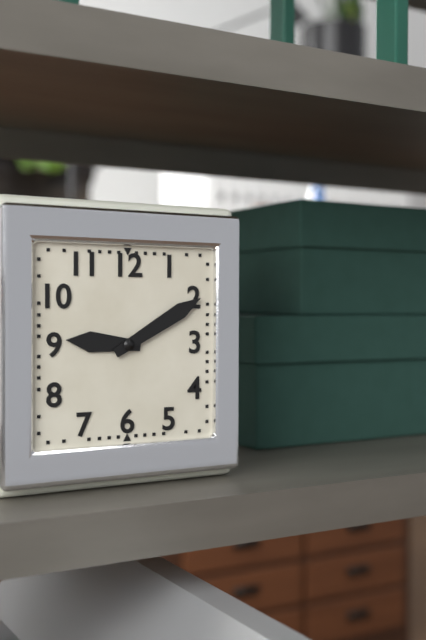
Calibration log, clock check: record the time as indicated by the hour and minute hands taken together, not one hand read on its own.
9:10
